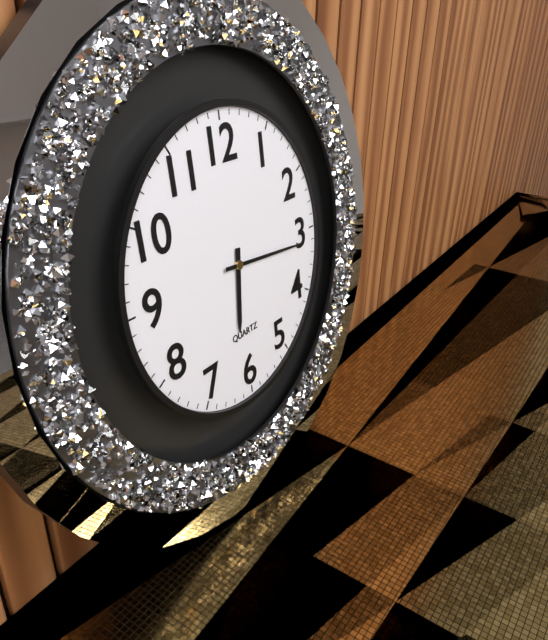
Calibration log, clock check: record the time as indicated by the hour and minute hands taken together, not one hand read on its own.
6:16
